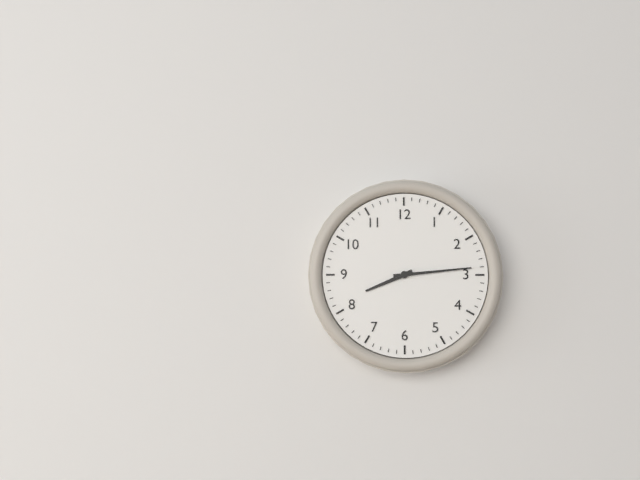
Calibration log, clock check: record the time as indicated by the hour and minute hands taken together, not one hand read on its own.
8:14
